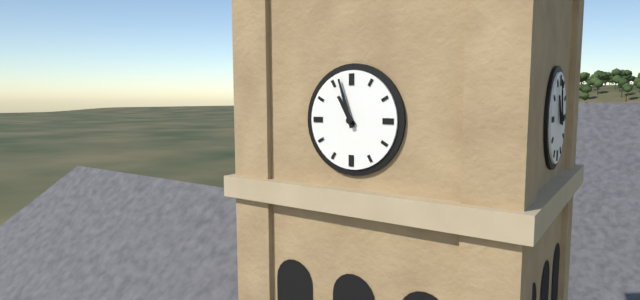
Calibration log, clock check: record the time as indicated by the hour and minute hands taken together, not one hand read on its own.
10:57
